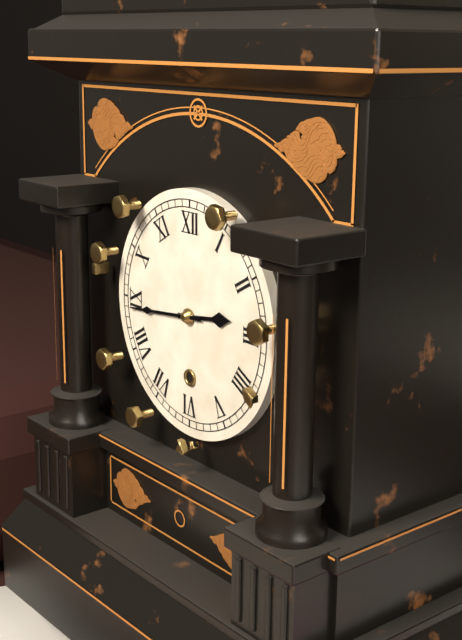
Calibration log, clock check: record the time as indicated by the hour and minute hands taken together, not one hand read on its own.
2:44
